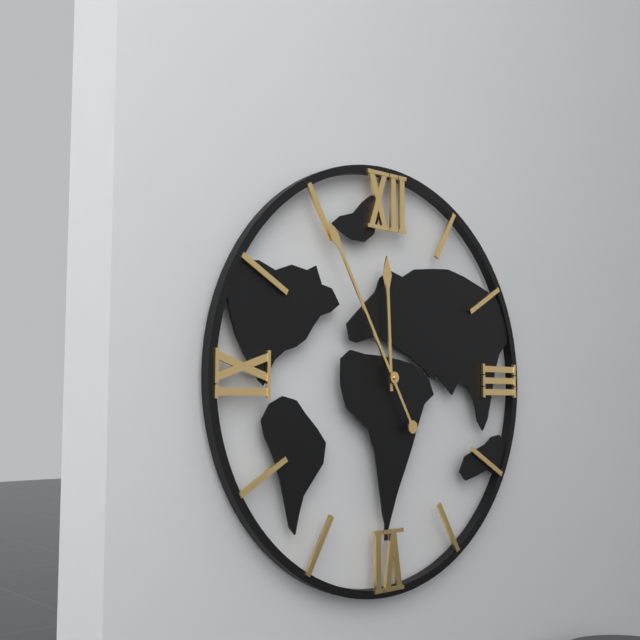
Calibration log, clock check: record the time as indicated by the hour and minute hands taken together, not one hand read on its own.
11:55
